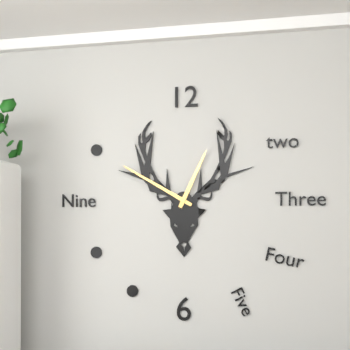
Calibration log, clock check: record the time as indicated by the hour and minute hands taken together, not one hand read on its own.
12:50
